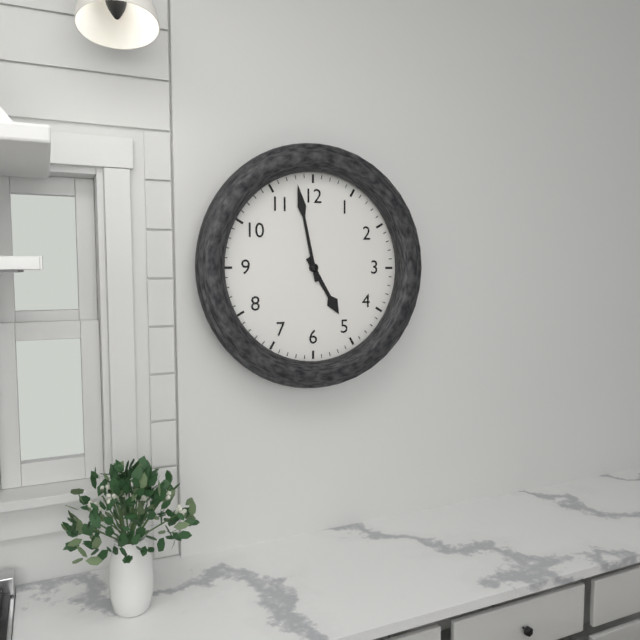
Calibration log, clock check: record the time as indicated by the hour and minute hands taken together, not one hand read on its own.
4:58
